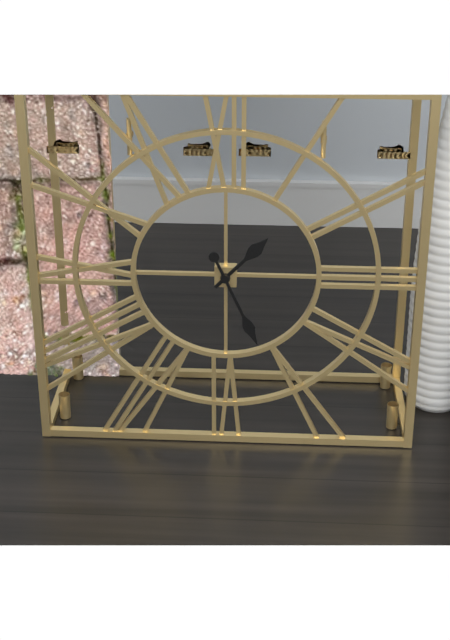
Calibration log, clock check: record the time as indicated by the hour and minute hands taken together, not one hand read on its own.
1:26
